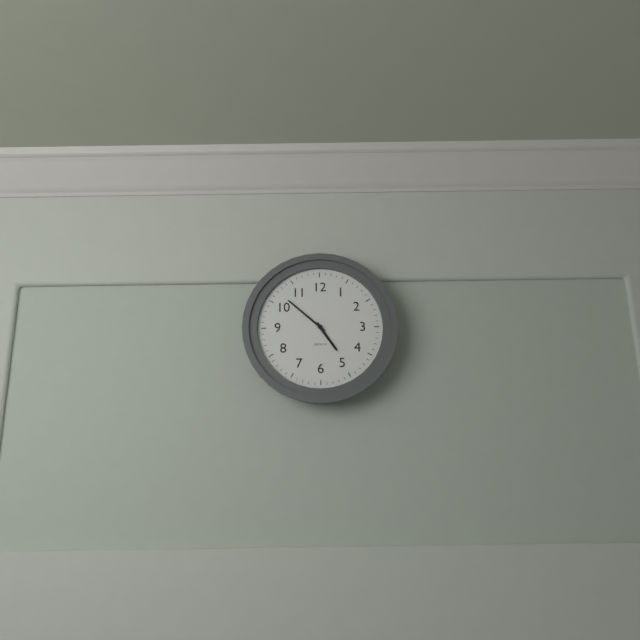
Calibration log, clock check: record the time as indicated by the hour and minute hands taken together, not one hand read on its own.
4:52
